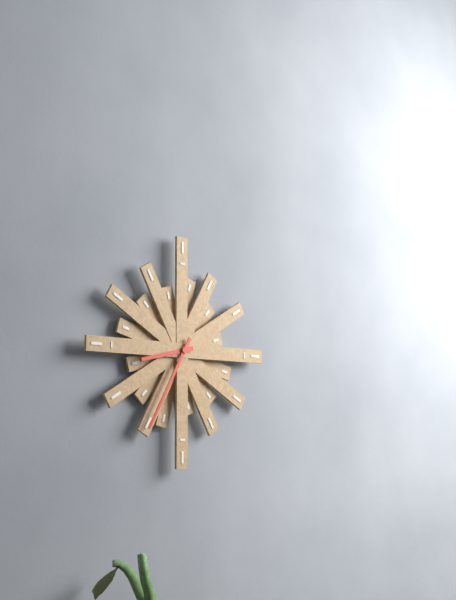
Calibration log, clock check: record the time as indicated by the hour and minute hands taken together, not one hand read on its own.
8:35
